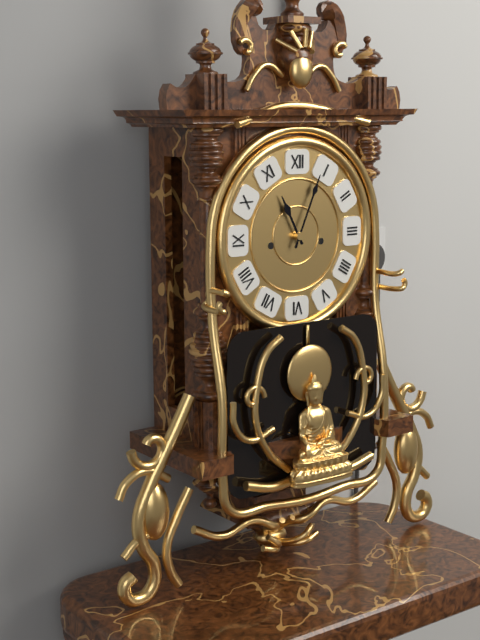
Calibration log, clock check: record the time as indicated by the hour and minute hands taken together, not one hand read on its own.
11:04
